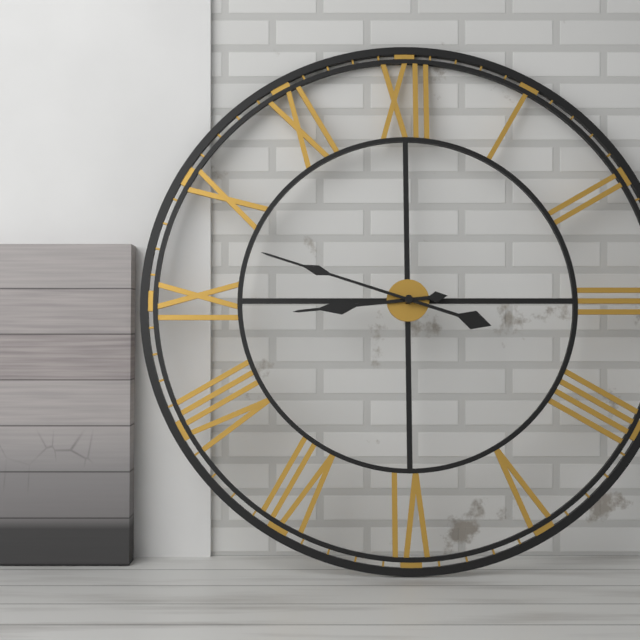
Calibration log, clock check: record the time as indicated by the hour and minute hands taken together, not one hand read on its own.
8:48
